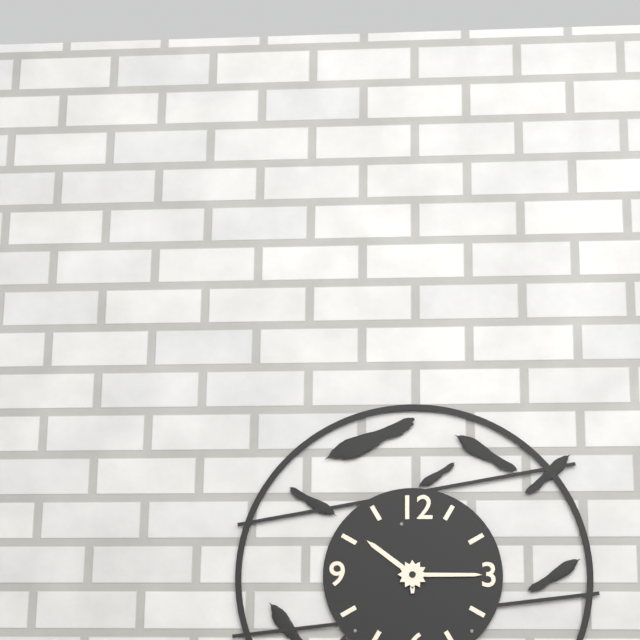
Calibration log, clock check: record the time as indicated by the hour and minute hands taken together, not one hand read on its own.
10:15
